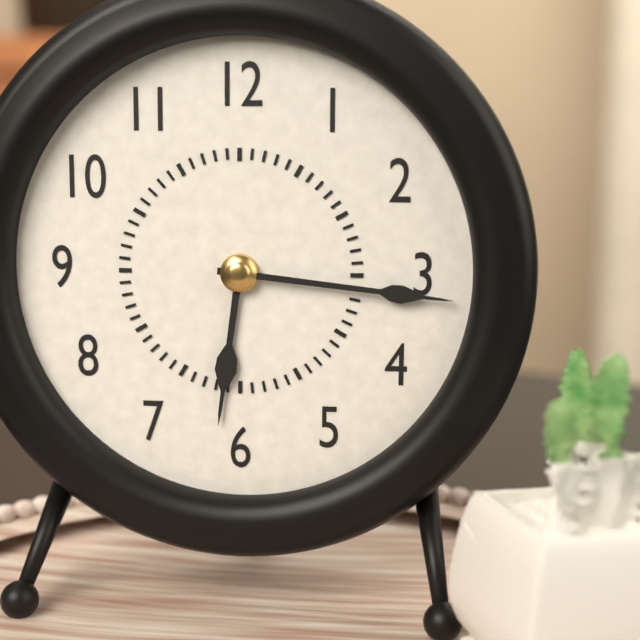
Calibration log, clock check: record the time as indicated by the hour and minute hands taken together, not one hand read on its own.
6:16
